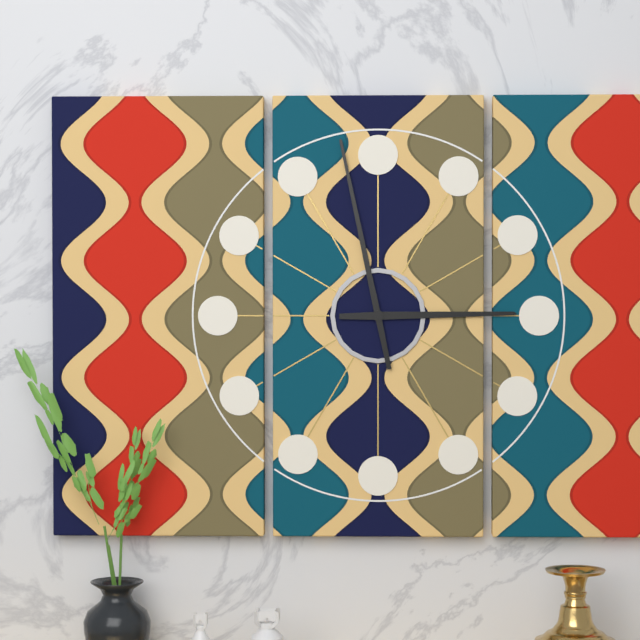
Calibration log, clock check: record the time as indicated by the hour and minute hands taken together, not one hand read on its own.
2:58
